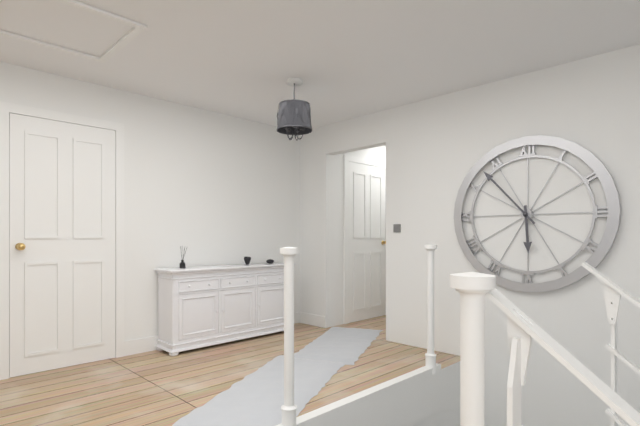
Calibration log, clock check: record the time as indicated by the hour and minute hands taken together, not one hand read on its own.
5:53
